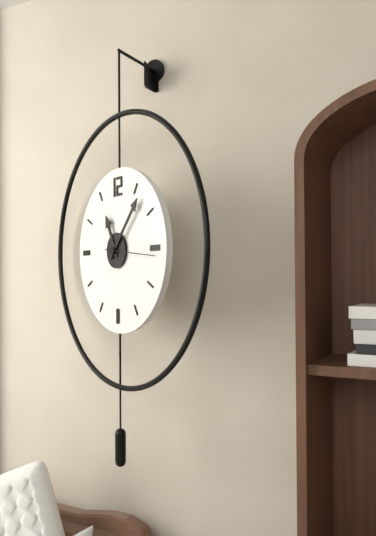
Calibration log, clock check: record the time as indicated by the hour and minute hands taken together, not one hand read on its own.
11:07
